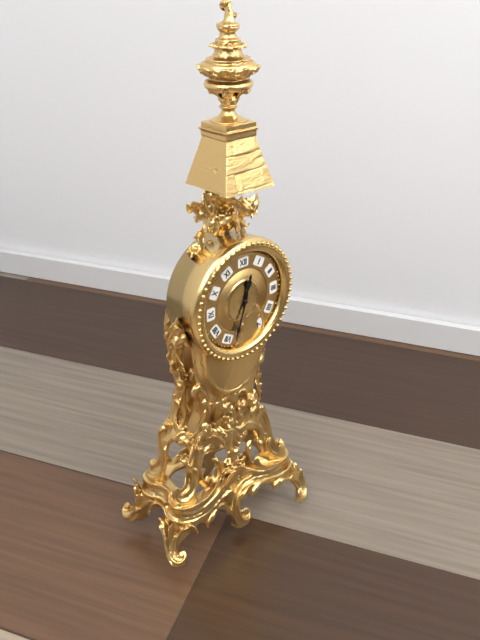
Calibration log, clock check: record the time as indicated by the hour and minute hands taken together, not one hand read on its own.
12:33
